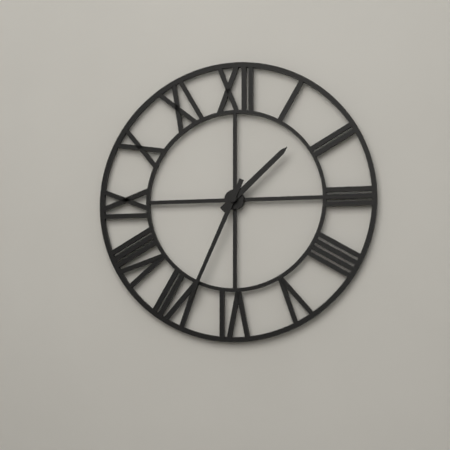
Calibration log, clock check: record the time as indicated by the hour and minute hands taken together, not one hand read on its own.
1:34
